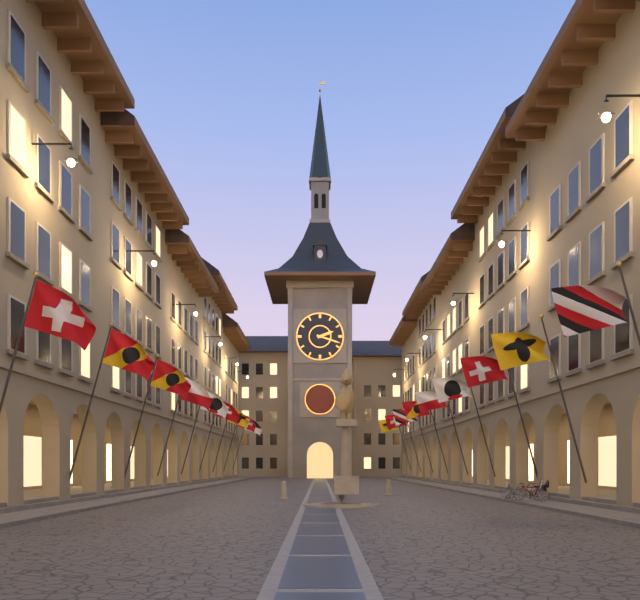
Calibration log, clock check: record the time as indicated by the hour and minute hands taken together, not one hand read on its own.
2:18
